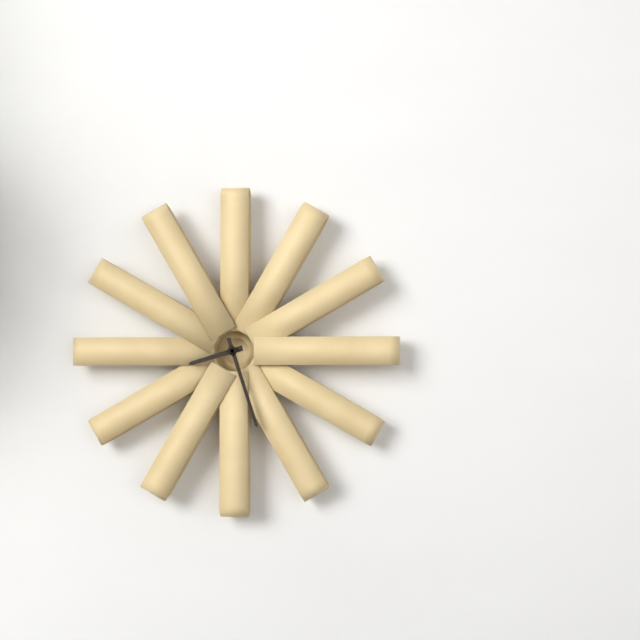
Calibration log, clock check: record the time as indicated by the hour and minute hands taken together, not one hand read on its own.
8:27
